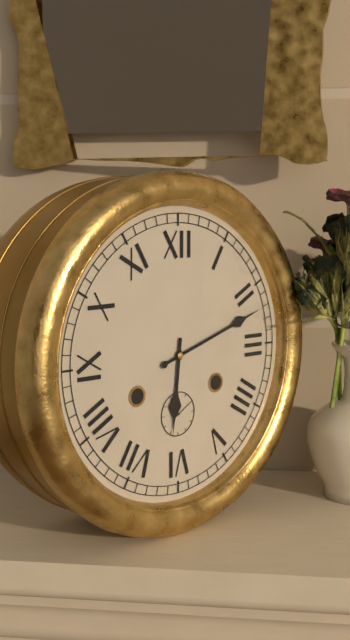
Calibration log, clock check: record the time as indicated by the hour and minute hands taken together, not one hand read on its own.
6:12
